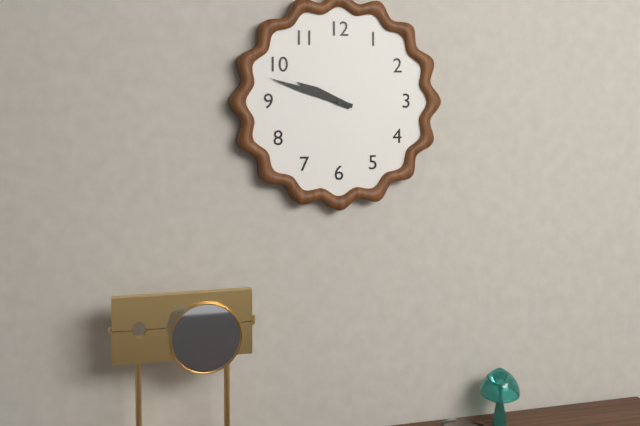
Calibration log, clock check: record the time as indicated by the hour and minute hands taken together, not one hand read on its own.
9:48
